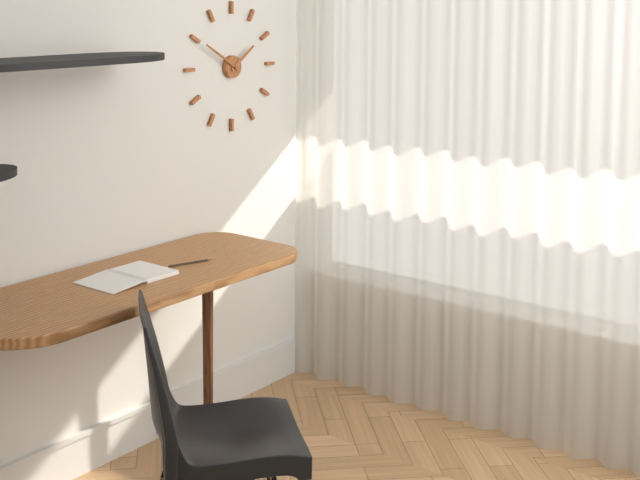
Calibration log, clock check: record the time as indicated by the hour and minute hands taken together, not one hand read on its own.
1:50
